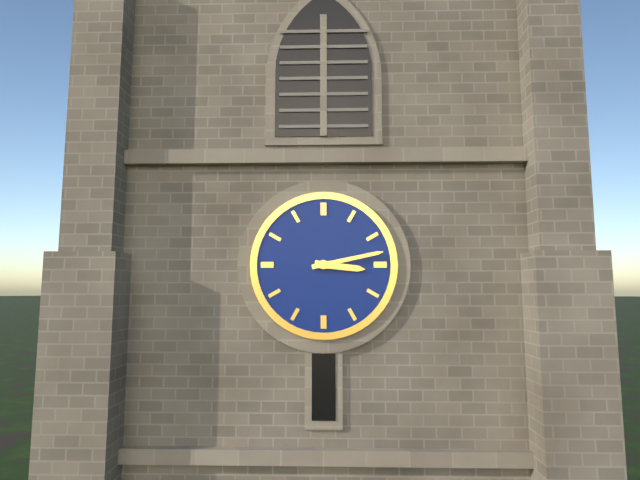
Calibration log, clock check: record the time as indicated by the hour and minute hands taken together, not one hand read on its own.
3:13
